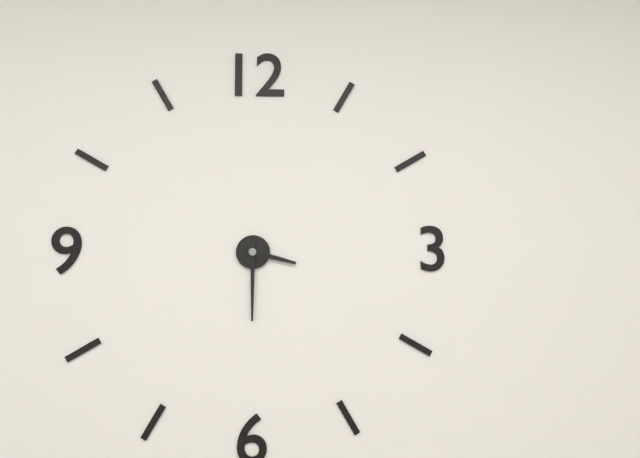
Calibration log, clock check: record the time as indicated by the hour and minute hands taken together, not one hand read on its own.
3:30
